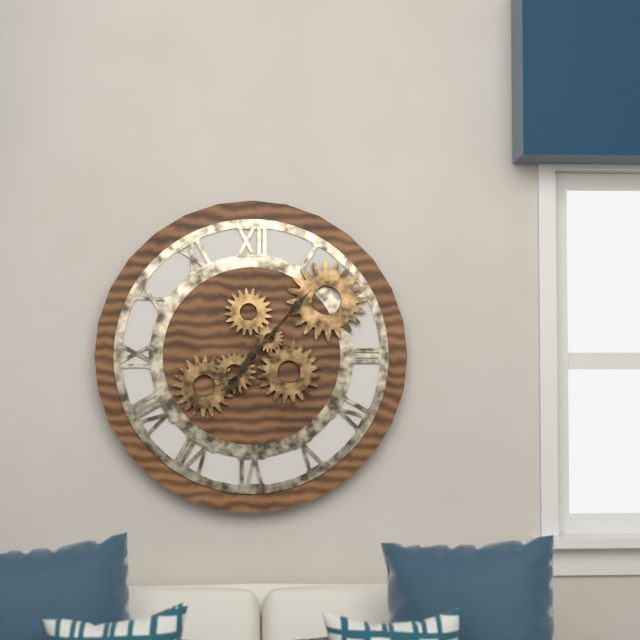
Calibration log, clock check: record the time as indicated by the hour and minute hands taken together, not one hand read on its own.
7:07
